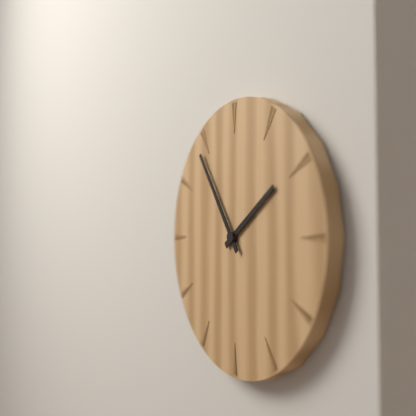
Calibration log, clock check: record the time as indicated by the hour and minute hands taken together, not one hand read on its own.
1:54
